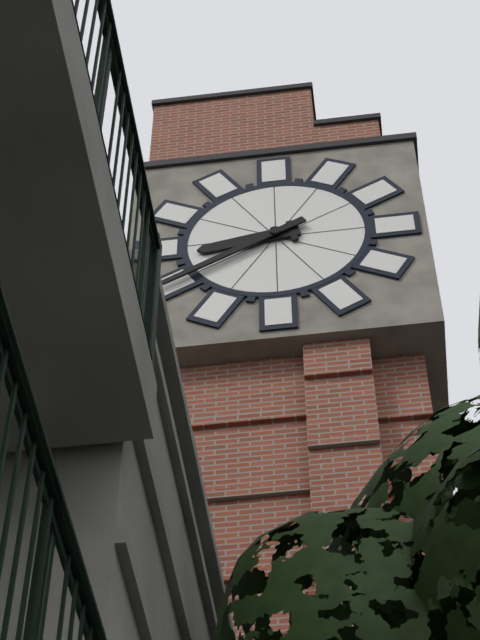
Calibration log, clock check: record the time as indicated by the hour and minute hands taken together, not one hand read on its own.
8:40
